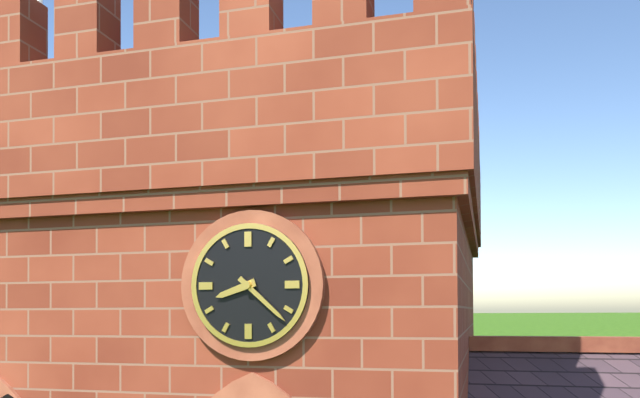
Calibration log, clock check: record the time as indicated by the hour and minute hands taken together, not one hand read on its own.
8:22
